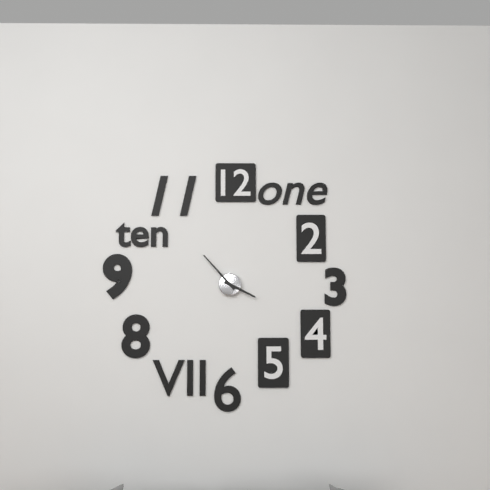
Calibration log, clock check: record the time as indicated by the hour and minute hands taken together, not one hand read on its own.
3:53
